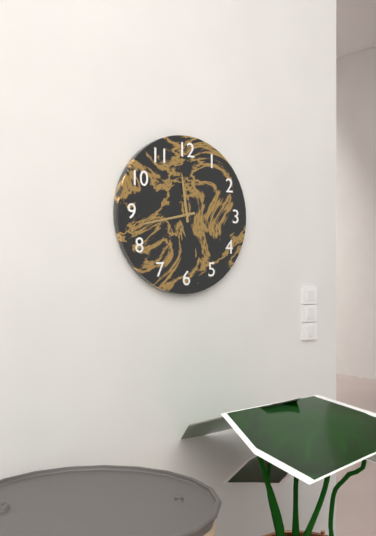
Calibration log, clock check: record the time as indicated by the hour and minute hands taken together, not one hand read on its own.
11:43
